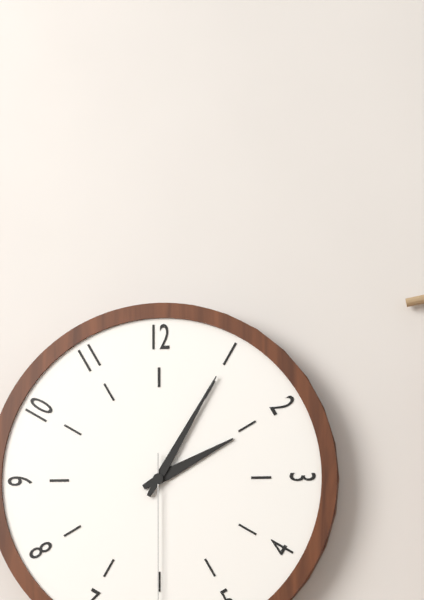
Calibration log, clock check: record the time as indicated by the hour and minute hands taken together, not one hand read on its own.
2:05
